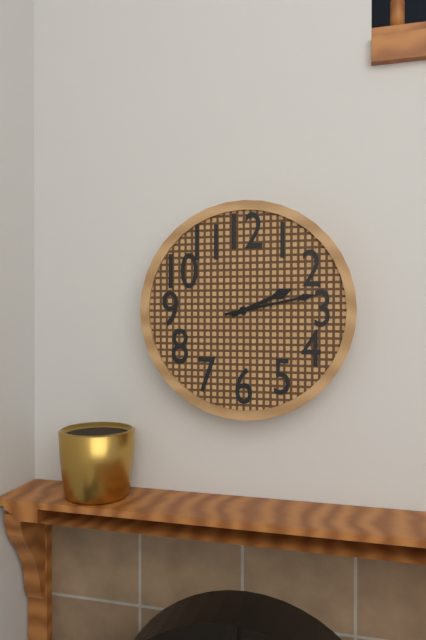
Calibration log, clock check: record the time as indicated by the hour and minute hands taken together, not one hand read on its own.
2:13
